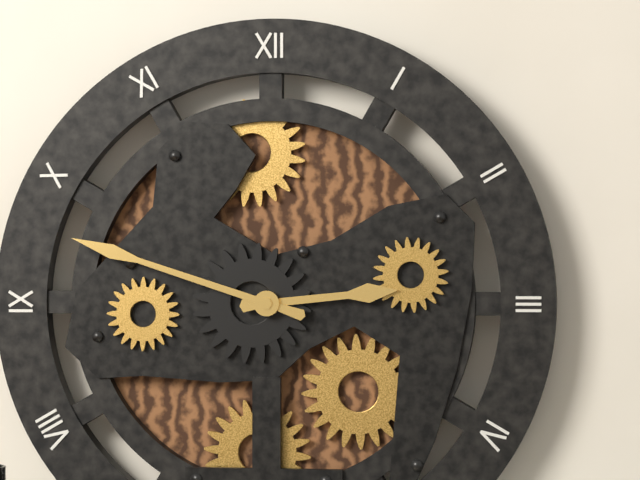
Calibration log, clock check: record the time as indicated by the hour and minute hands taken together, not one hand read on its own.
2:48
